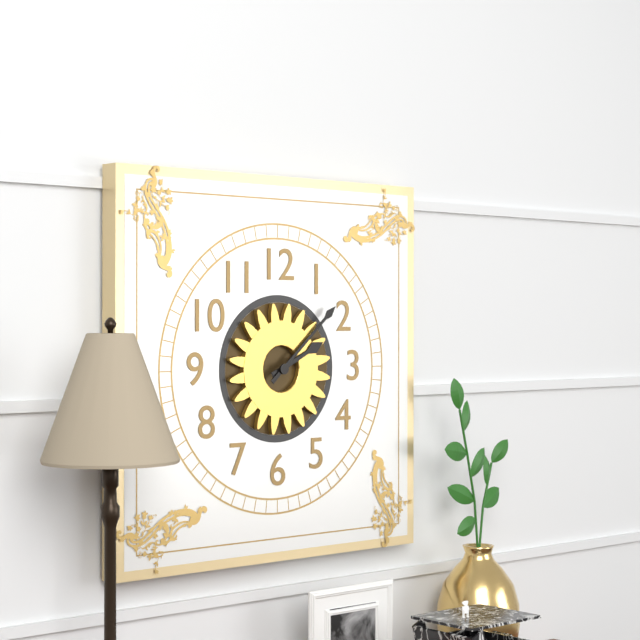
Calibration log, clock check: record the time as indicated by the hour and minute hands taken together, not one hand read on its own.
2:08
